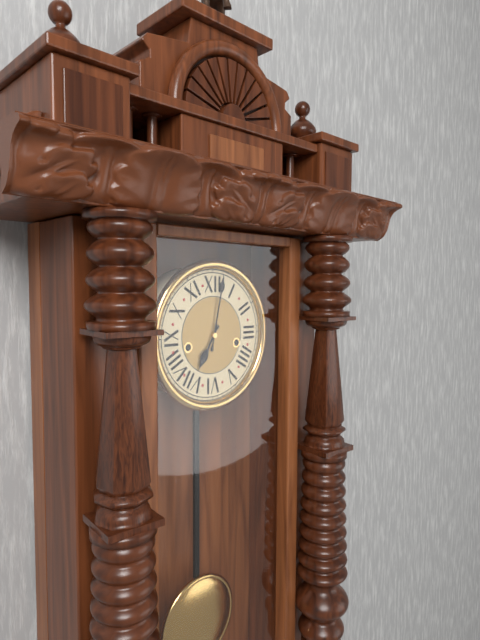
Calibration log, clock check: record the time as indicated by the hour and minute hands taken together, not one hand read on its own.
7:02
